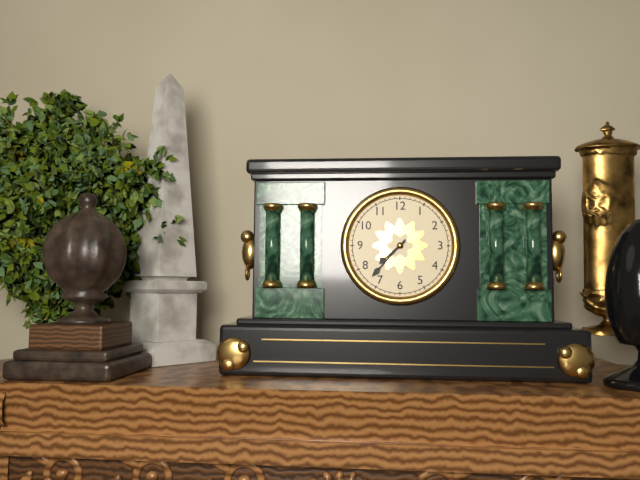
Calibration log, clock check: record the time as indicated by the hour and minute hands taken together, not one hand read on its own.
7:37
